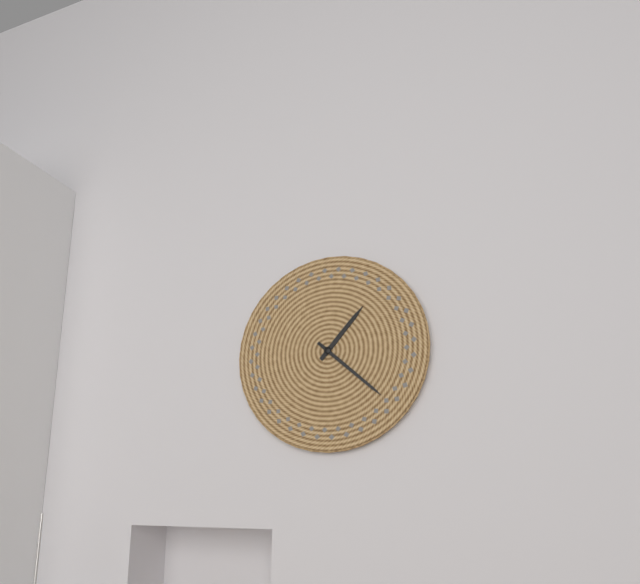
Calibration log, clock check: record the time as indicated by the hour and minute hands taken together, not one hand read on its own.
1:22
